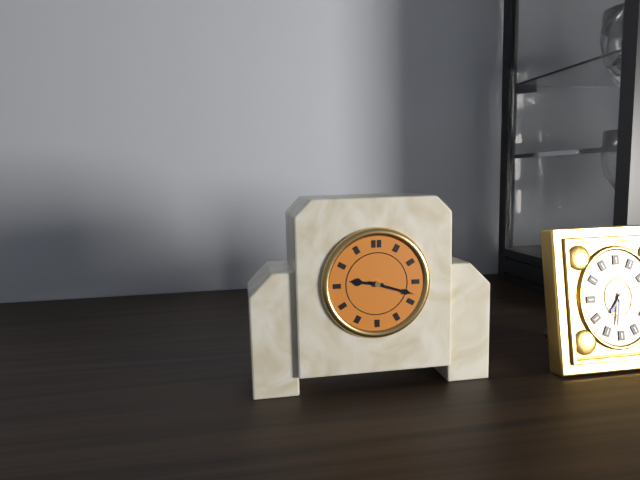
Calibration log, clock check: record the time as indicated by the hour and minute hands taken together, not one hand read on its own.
9:18
